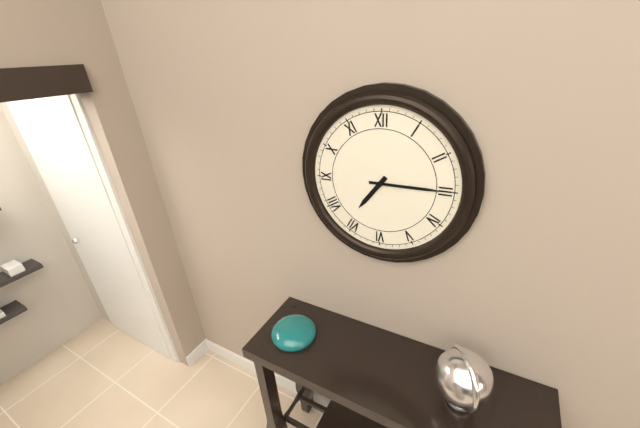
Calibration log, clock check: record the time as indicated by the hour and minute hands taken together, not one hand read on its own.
7:15
